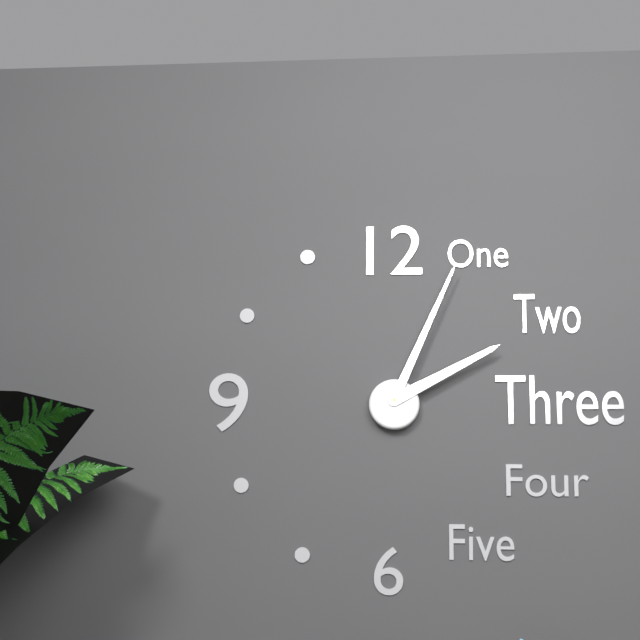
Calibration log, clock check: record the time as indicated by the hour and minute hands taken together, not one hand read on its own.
2:04
